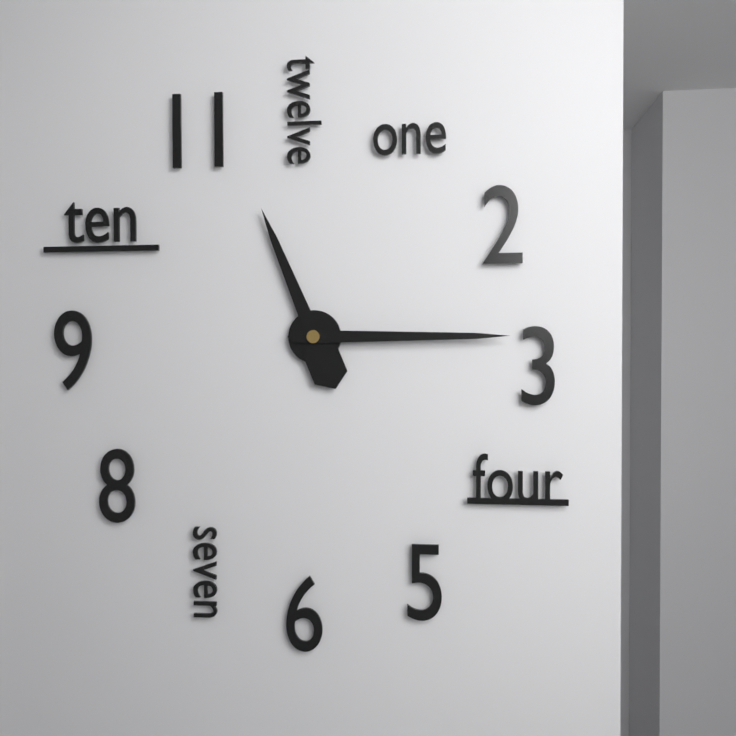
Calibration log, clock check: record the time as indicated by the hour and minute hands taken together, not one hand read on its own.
11:15
